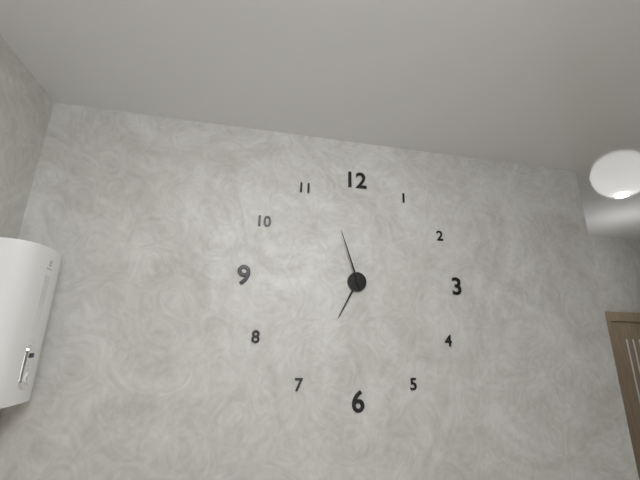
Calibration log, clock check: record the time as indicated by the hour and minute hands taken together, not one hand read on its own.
6:57
